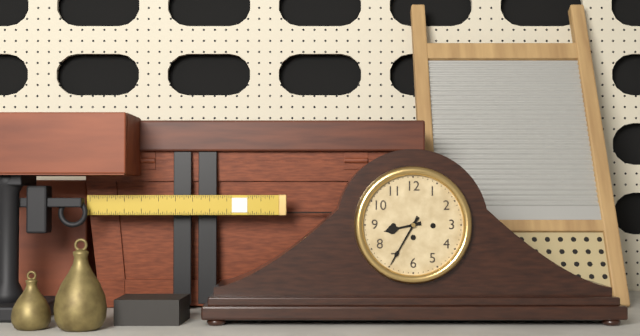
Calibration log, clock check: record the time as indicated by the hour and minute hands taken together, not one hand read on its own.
8:35
